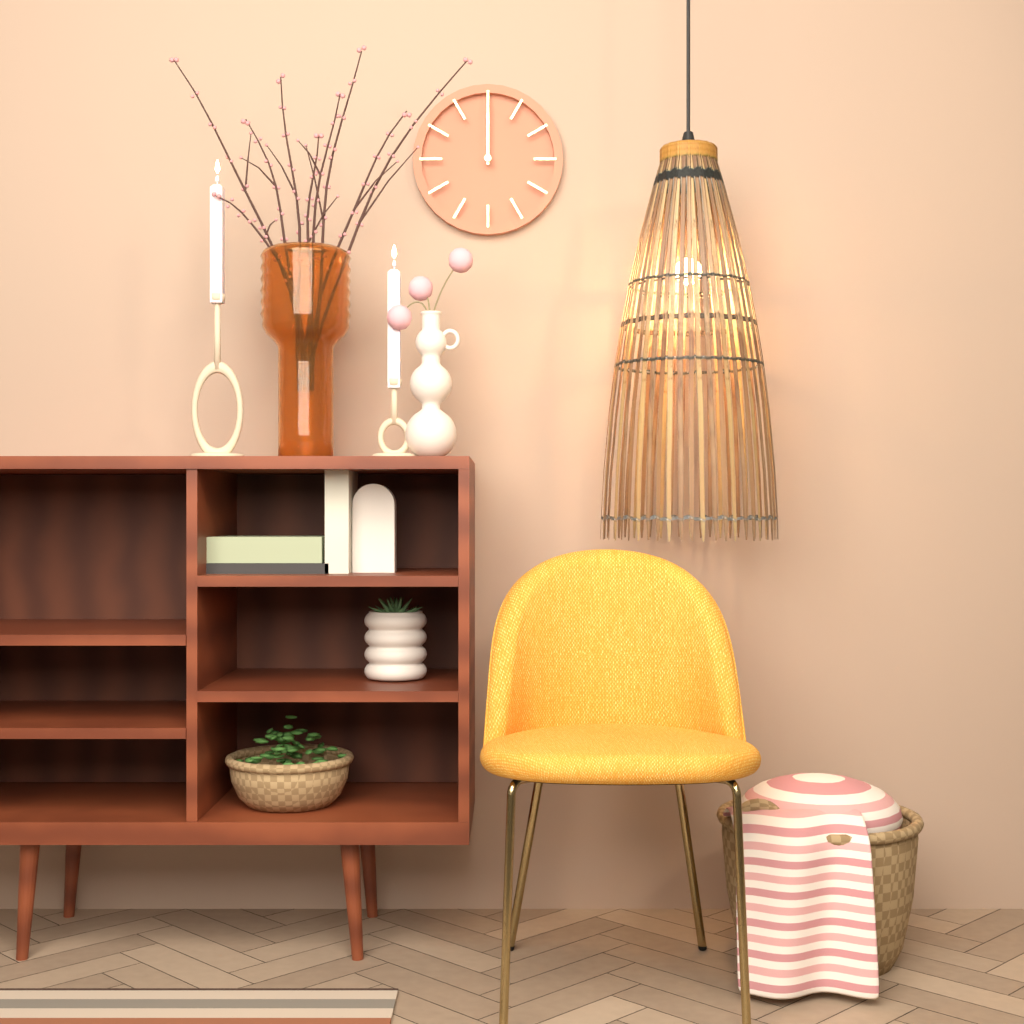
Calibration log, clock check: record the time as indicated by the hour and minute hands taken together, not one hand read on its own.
12:00
